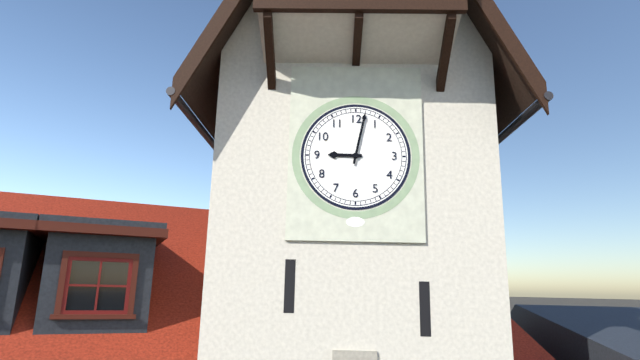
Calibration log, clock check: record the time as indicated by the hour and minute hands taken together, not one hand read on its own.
9:02
